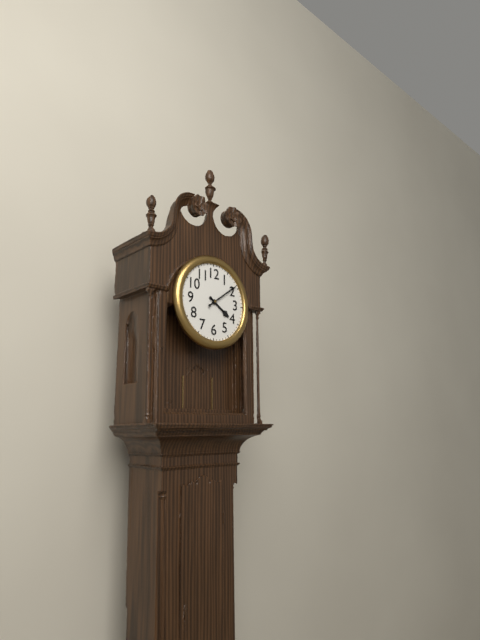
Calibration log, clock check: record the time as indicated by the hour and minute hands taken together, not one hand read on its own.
4:09
